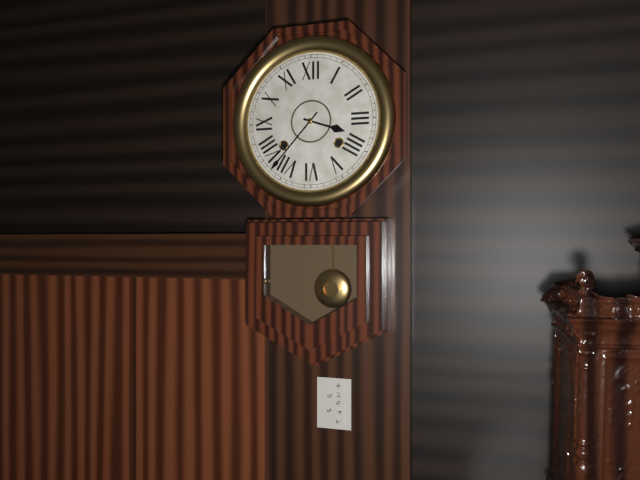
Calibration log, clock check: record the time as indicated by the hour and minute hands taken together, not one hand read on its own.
3:37
